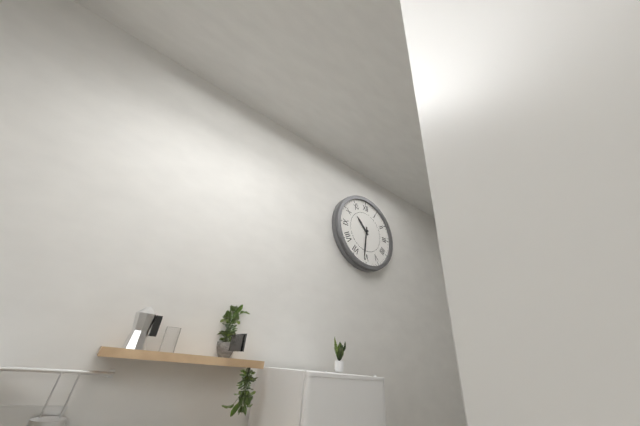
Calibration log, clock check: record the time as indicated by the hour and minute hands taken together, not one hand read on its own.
10:31
